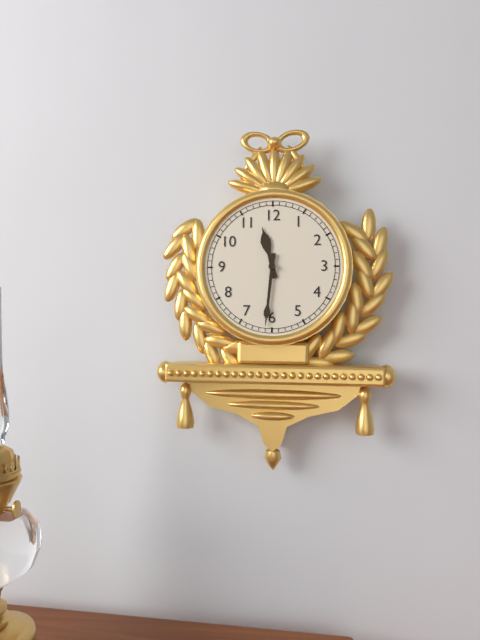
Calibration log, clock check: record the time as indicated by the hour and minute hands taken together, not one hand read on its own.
11:31
